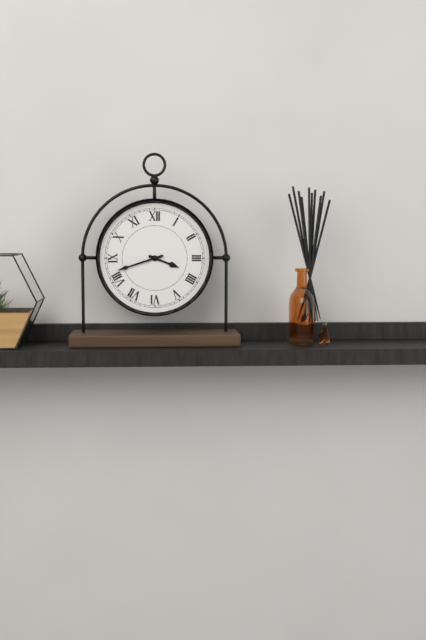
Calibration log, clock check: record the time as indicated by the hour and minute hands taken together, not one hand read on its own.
3:42
